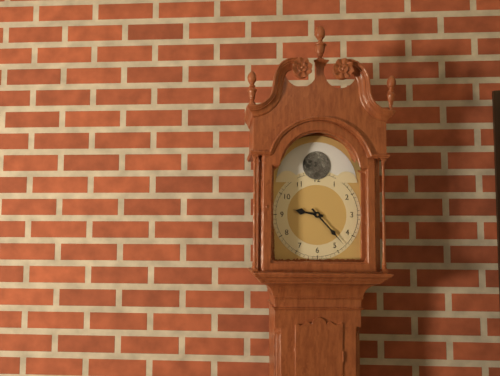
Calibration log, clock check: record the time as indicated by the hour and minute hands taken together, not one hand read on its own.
9:23
